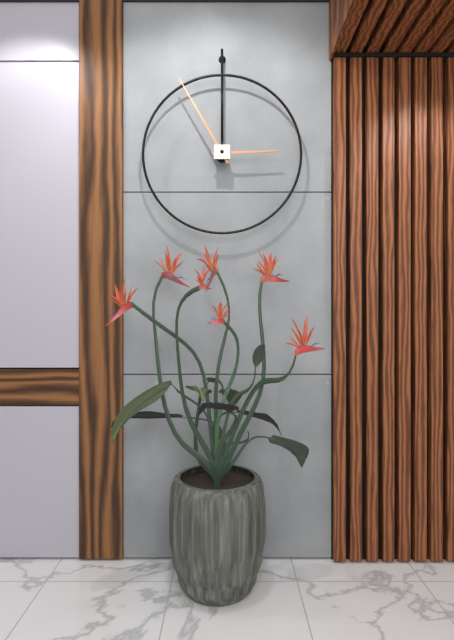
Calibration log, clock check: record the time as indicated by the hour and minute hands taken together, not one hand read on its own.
2:55
